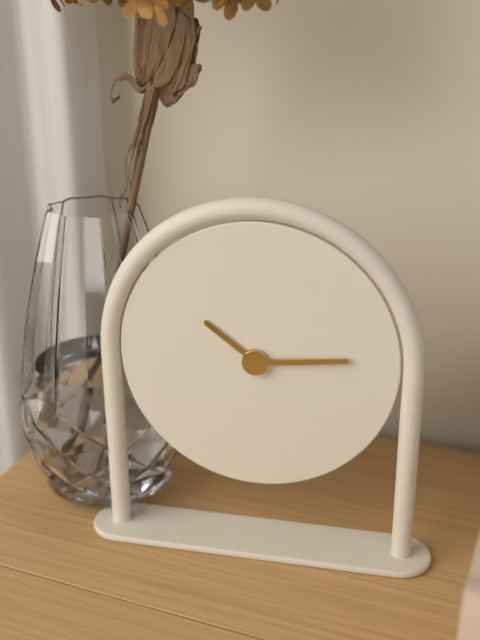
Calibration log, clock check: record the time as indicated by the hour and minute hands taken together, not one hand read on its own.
10:14
